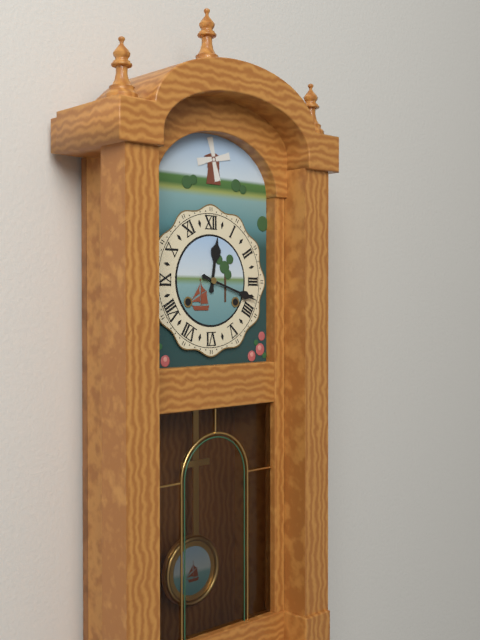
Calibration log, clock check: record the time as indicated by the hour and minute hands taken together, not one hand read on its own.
12:18
